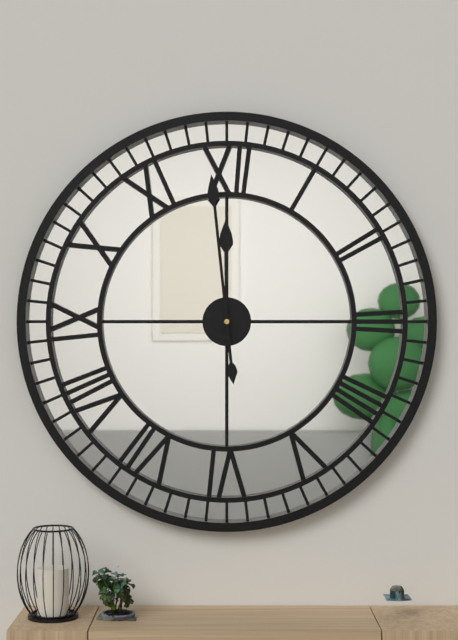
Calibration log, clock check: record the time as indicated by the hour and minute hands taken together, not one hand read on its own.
11:59
